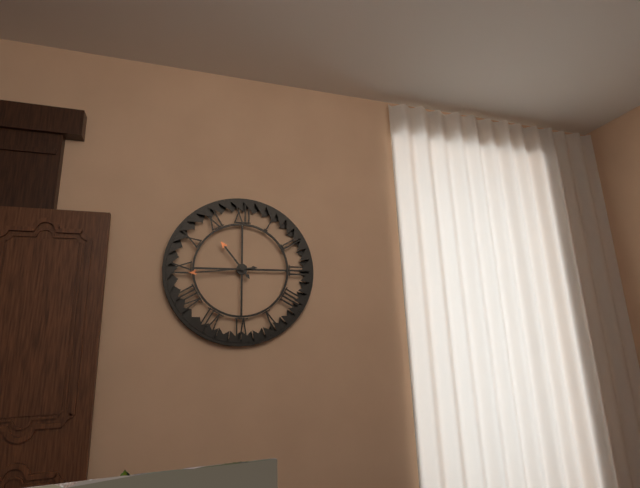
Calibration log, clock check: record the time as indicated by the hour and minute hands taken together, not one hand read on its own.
10:44
